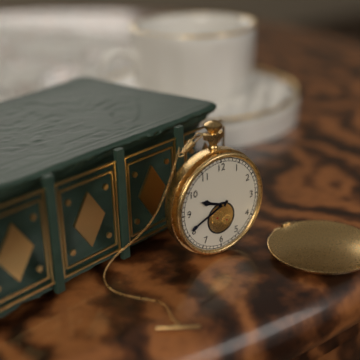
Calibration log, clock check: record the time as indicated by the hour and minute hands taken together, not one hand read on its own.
9:41
